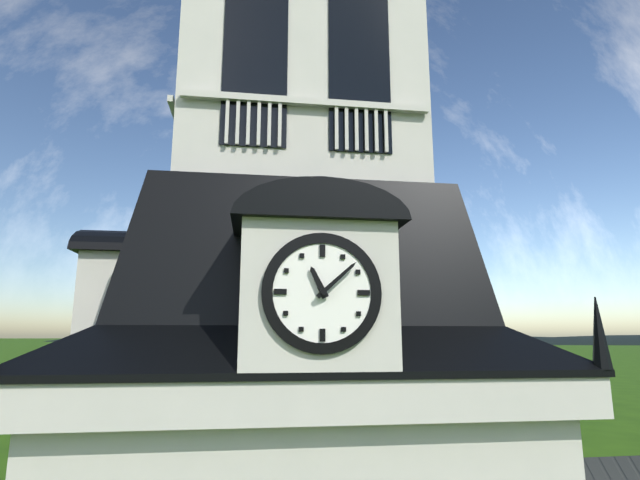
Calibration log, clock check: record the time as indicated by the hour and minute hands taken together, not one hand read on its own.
11:08
